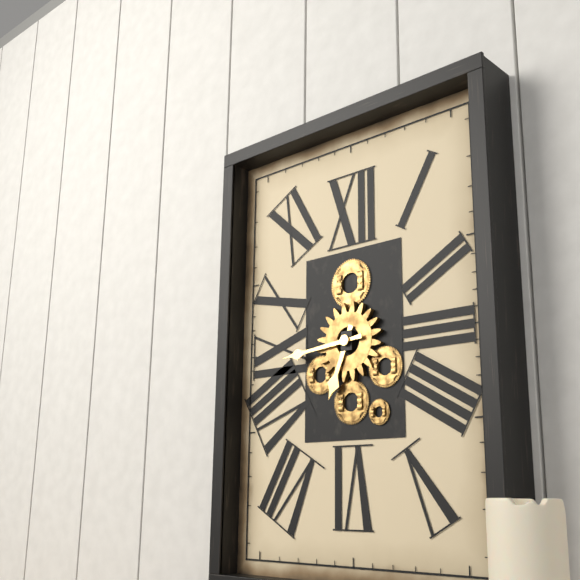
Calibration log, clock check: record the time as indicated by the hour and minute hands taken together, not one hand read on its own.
6:44
